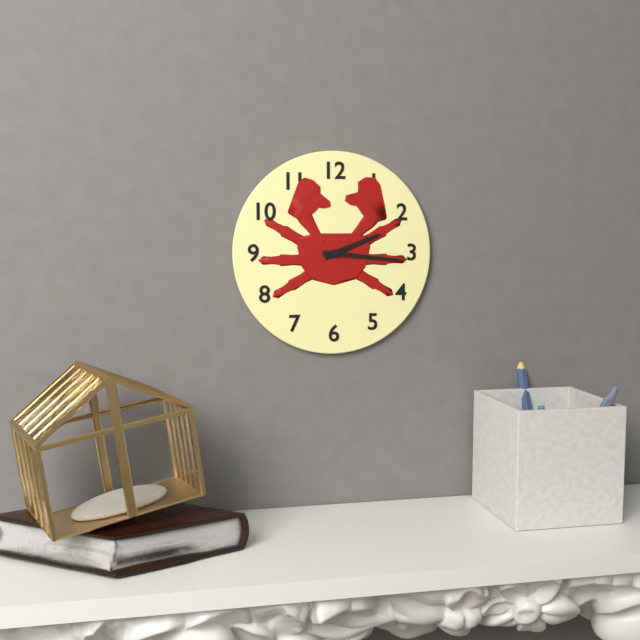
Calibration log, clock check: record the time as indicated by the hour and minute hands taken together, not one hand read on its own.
2:16
